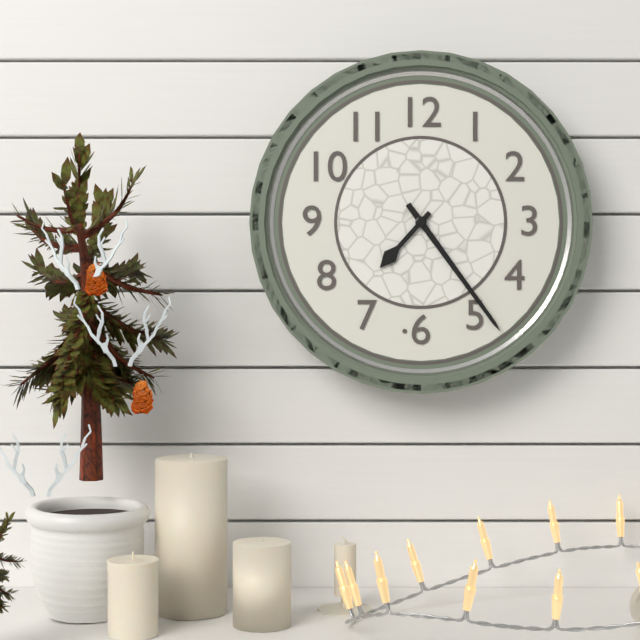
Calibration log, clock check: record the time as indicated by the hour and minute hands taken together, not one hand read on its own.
7:24
